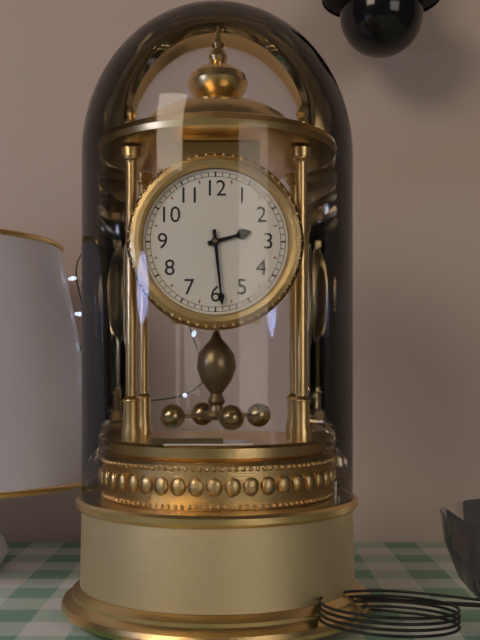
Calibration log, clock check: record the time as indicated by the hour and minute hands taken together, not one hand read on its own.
2:29
